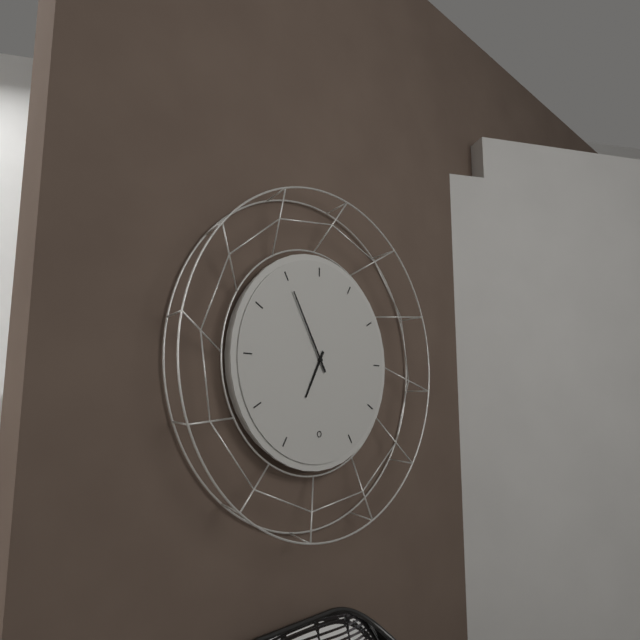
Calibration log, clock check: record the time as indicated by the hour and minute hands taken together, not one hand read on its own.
6:55
